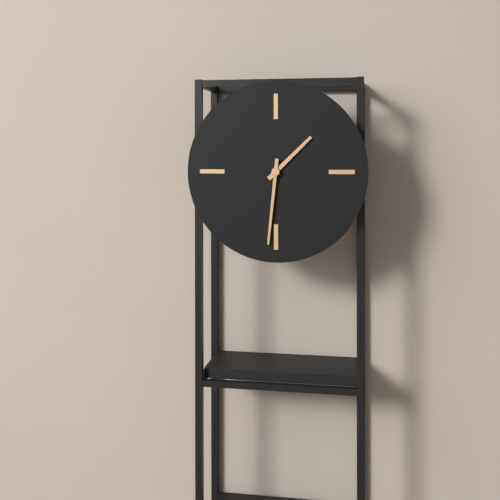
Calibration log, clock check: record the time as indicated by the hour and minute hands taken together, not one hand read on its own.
1:31
